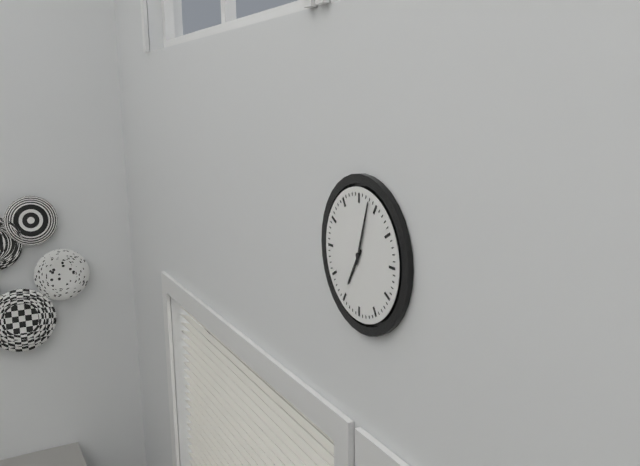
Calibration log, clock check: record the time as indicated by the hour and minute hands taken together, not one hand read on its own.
7:03
